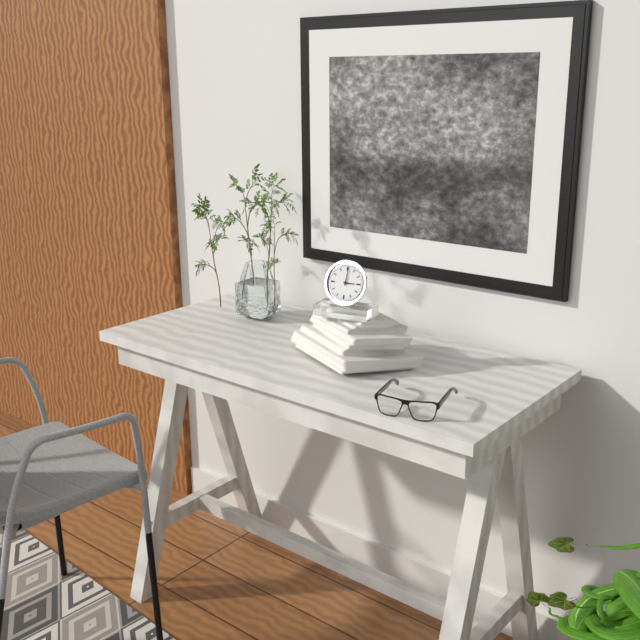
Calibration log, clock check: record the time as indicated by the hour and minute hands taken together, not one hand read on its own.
3:01
